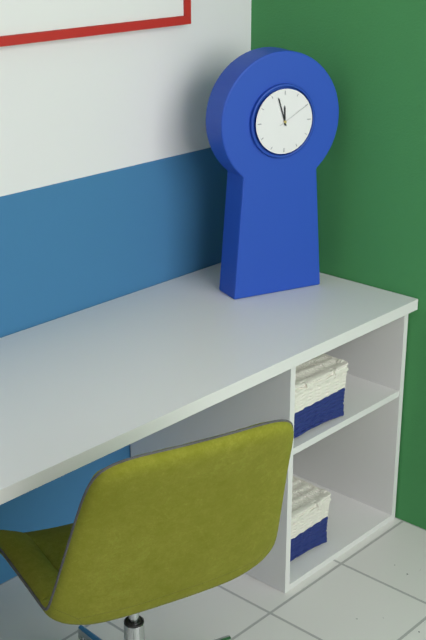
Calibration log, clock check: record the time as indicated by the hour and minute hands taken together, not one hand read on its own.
11:57
